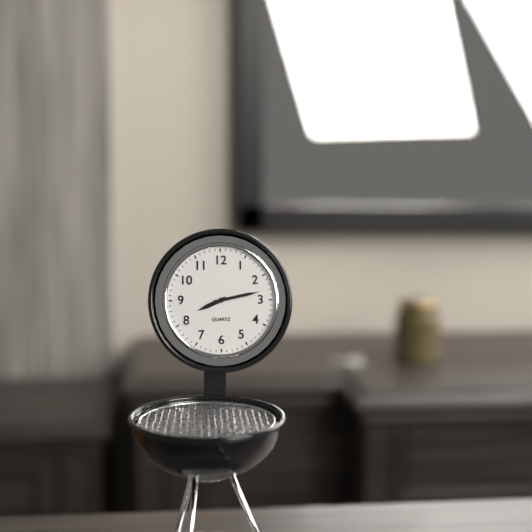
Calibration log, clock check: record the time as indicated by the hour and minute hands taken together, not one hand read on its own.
8:13
